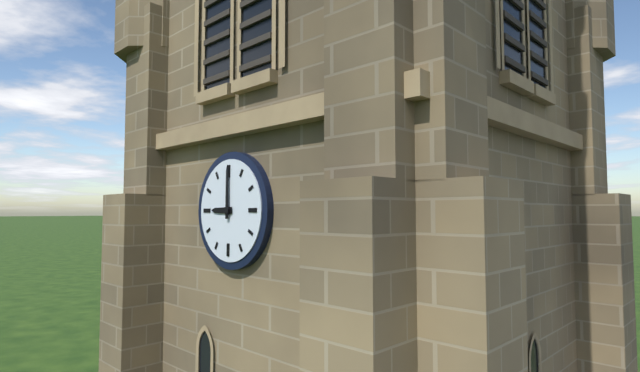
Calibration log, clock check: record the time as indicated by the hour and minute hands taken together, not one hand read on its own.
9:00
